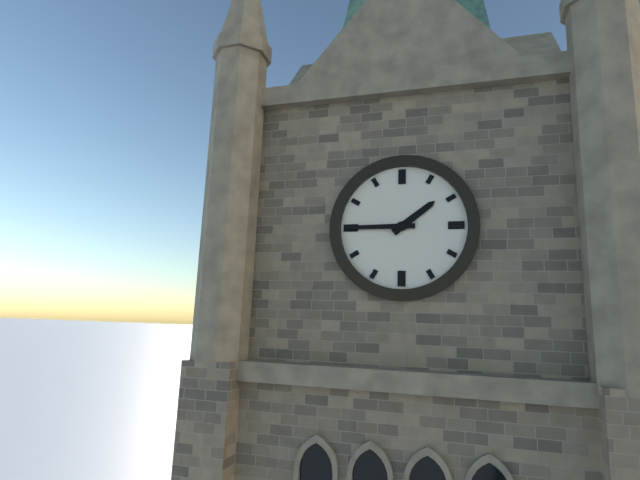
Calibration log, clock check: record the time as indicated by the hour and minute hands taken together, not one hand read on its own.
1:45
